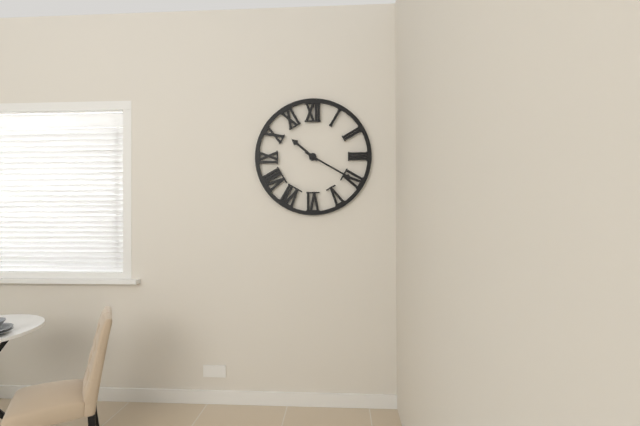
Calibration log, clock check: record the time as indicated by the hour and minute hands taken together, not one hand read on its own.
10:20
